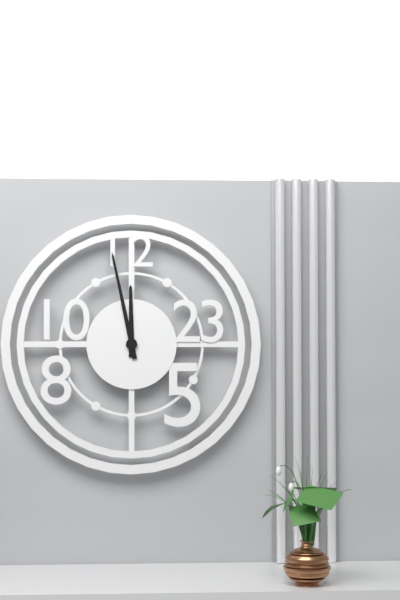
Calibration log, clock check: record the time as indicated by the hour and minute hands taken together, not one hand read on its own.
11:58
